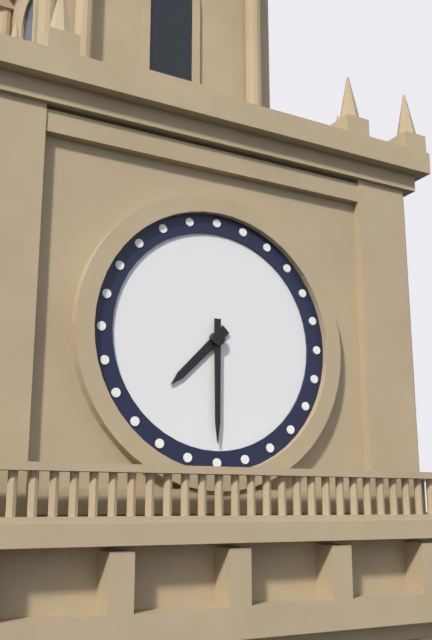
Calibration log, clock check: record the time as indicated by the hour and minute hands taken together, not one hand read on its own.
7:30
